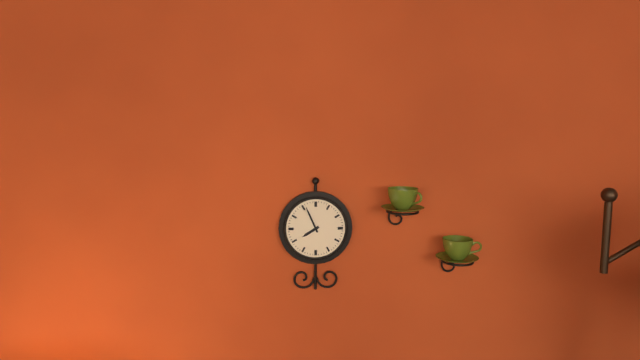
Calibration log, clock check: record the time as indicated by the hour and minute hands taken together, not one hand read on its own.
7:56
